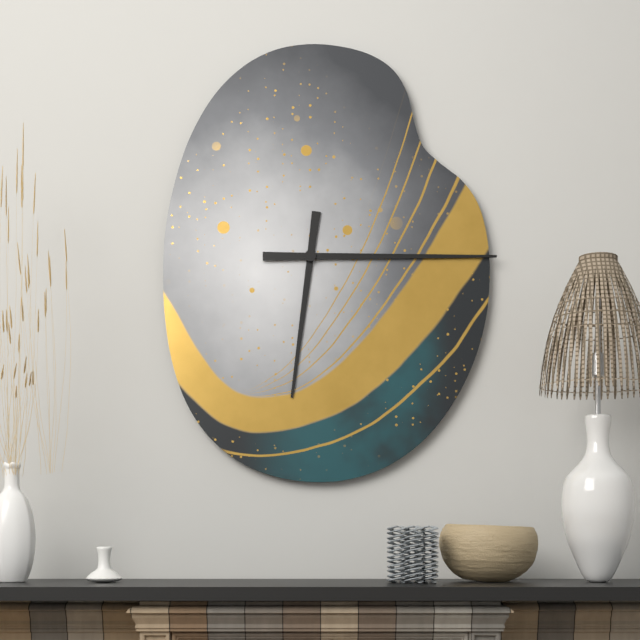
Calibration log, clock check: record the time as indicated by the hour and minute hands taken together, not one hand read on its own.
6:15
